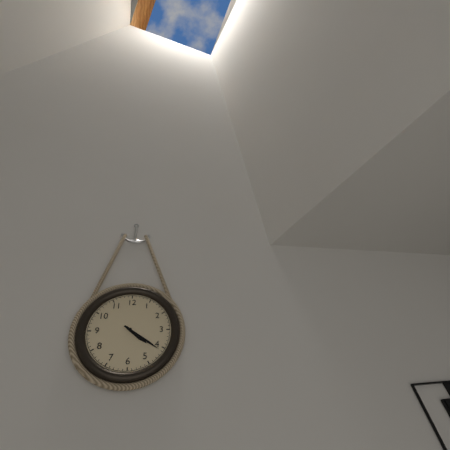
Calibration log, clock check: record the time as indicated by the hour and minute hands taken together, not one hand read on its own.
4:21
